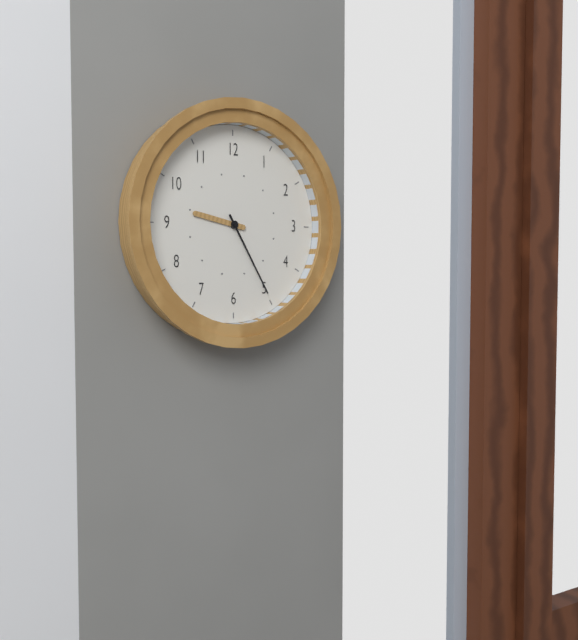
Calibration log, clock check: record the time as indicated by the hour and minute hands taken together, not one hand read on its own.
9:25
